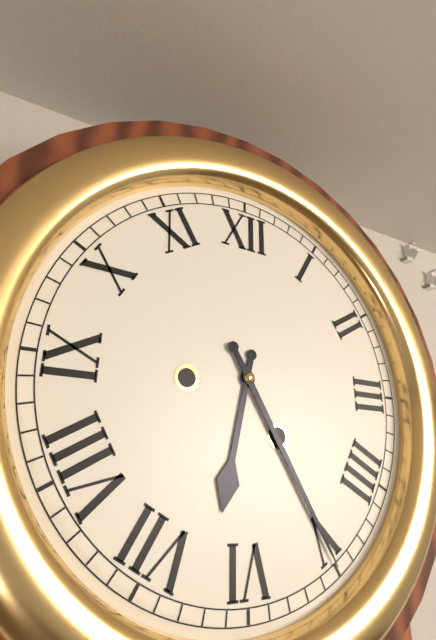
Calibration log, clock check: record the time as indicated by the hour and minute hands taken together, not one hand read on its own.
6:25
